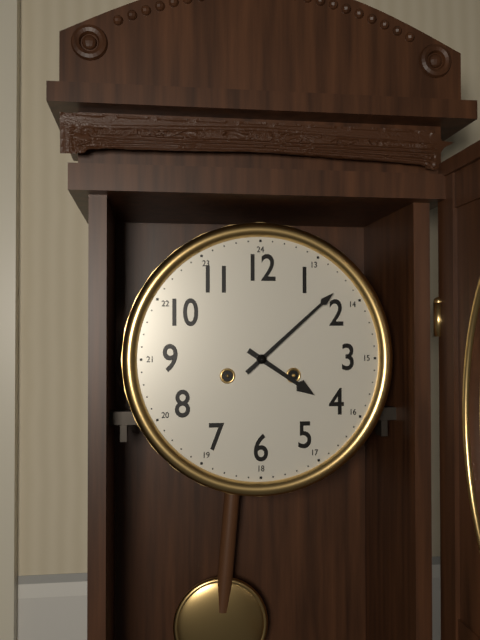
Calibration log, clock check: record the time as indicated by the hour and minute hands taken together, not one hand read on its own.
4:08
